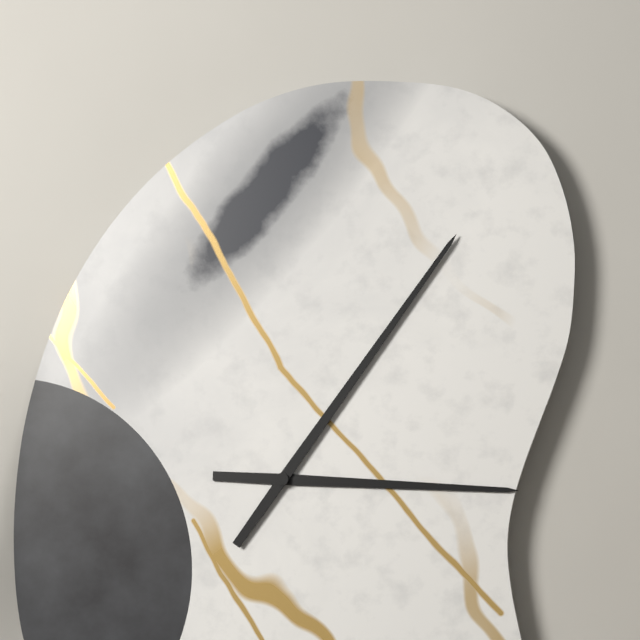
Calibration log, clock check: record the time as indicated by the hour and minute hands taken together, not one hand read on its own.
3:06
